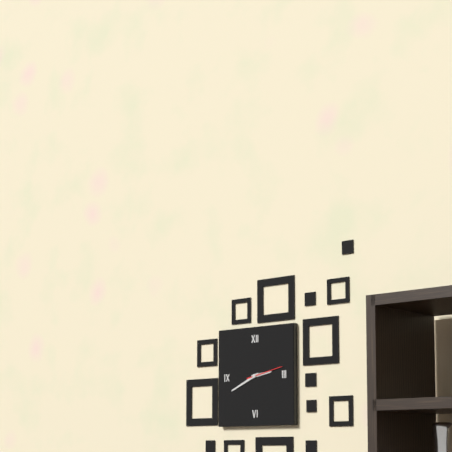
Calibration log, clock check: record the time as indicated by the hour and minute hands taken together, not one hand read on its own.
2:41
